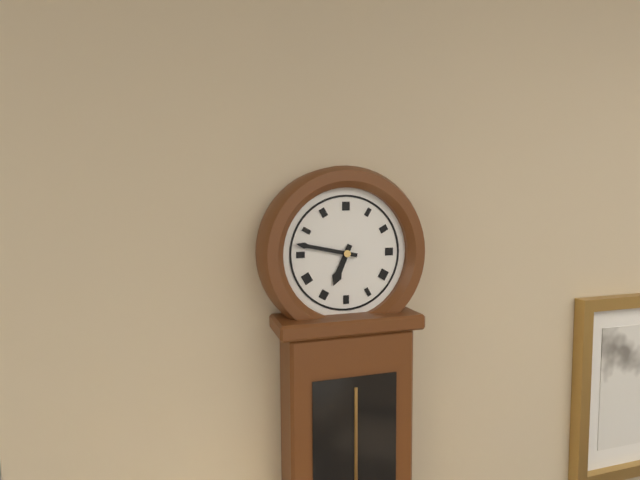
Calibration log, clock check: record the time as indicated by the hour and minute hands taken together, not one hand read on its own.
6:47
